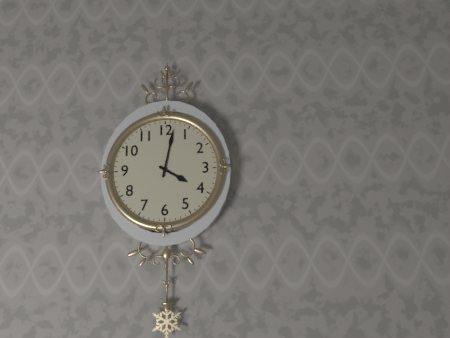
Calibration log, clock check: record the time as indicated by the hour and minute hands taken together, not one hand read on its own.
4:02
